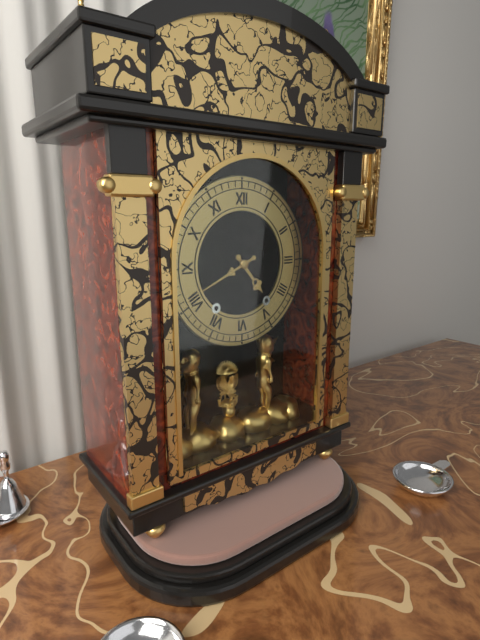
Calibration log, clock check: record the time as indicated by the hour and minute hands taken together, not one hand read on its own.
4:41
